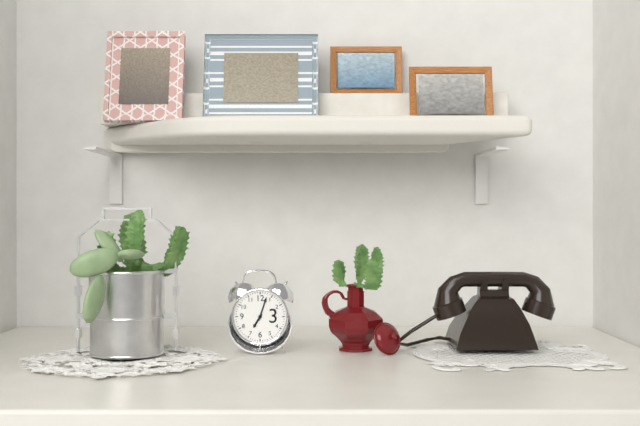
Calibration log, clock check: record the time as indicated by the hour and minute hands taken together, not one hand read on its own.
7:03
